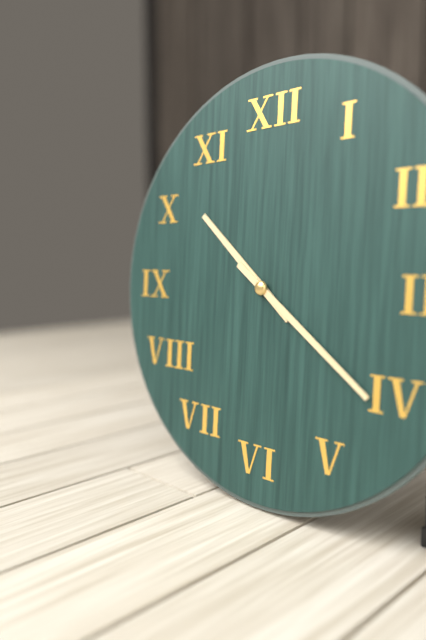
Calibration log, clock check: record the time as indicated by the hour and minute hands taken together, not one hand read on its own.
10:21
